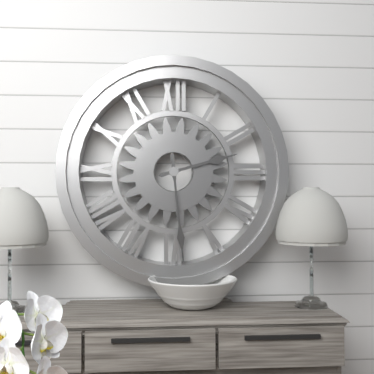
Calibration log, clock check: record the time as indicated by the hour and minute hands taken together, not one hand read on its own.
2:29
